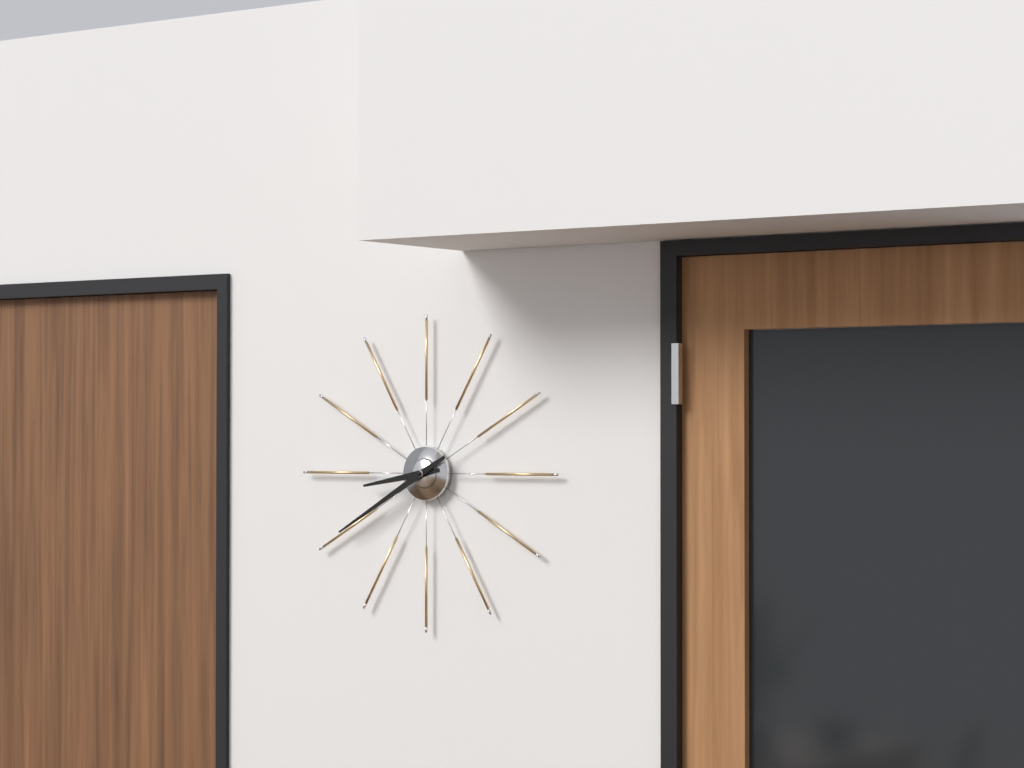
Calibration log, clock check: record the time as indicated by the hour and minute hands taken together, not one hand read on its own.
8:40
